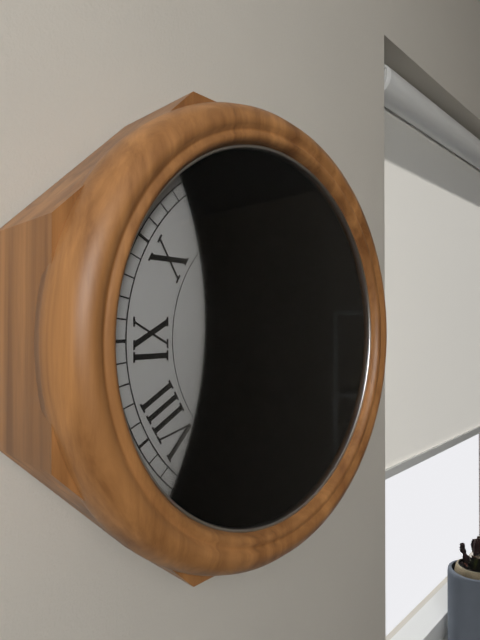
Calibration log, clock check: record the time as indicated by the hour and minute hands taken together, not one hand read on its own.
11:56
